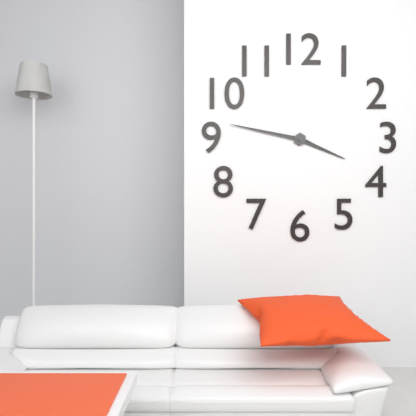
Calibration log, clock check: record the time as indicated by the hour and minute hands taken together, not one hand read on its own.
3:47
